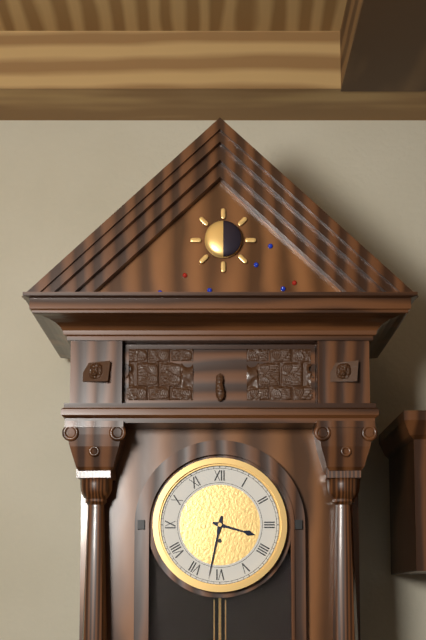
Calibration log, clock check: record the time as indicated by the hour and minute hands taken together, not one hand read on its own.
3:32
